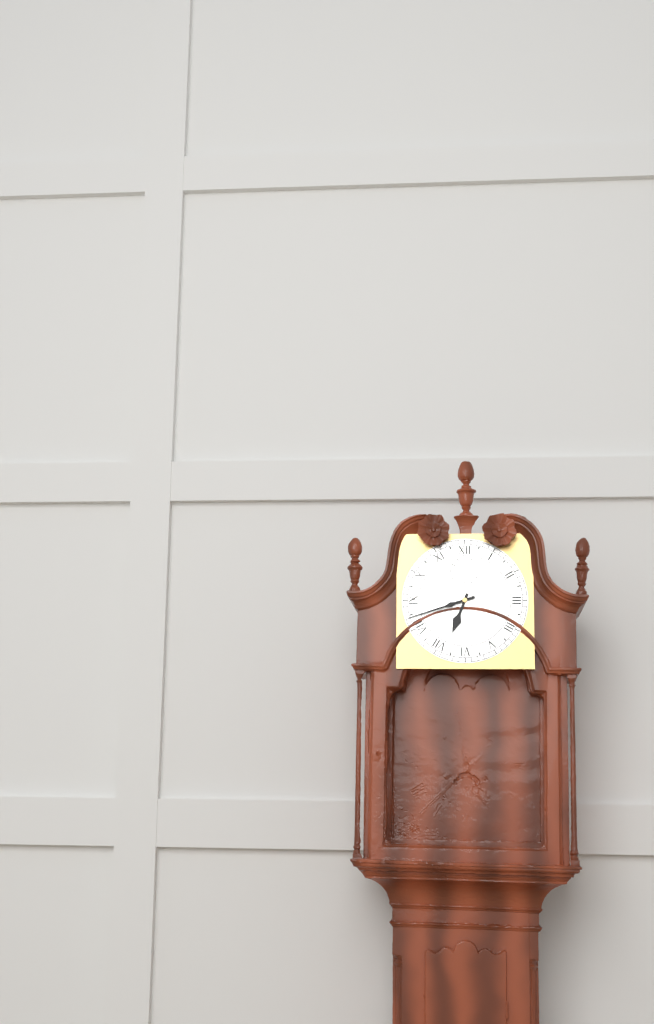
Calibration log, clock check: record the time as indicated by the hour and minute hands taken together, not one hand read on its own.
6:42
